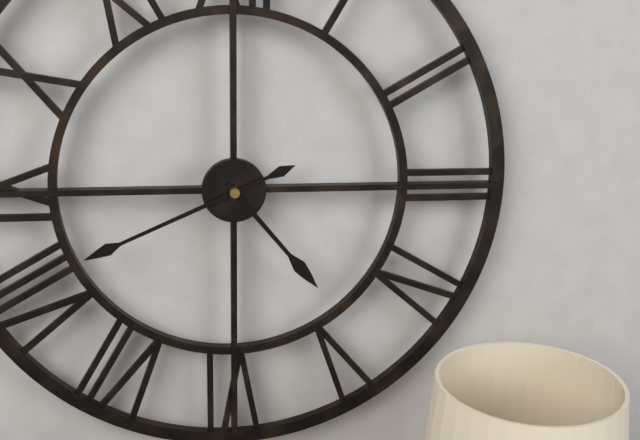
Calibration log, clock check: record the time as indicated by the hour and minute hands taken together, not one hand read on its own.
4:41
